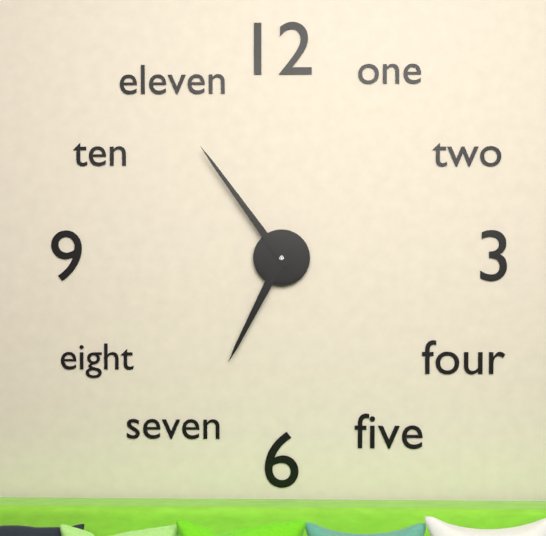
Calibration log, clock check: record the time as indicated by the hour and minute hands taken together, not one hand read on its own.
6:54
